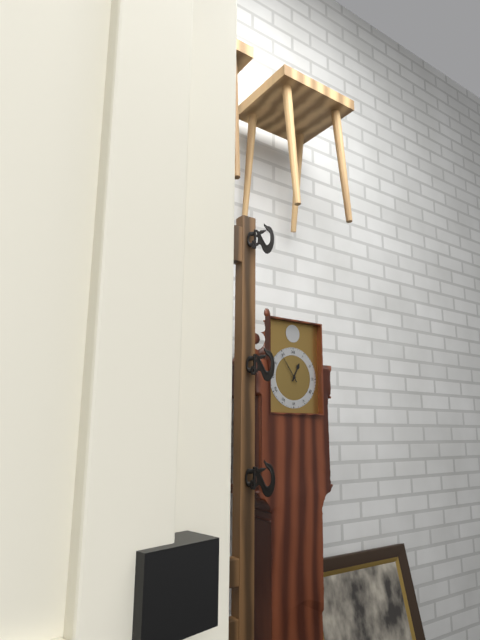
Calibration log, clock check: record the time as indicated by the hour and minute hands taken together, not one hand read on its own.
12:54
